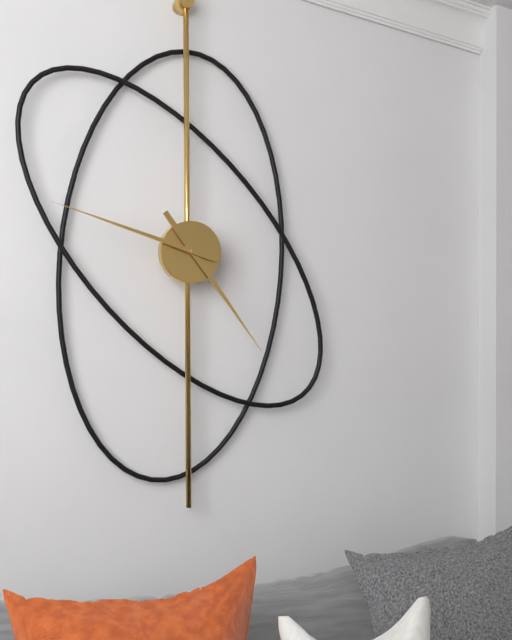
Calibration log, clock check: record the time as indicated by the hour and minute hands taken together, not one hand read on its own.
4:48
